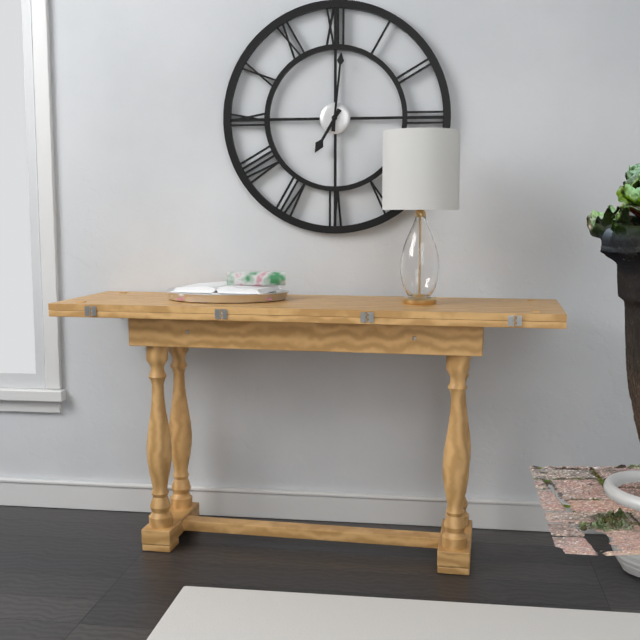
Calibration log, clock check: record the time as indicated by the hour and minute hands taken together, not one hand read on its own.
7:01
